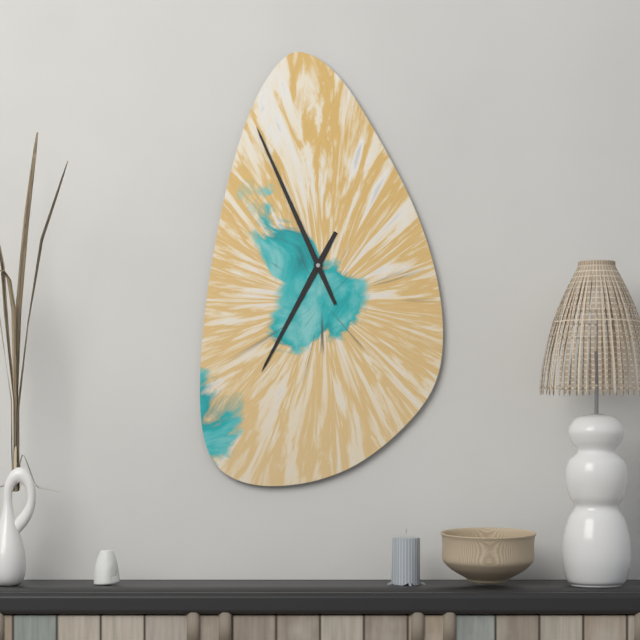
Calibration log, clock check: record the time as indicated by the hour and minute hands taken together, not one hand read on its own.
6:56
